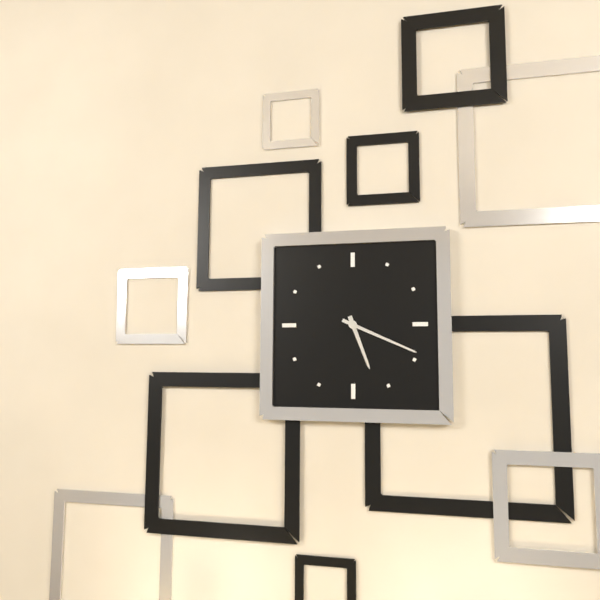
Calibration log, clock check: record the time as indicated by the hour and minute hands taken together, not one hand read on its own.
5:19
